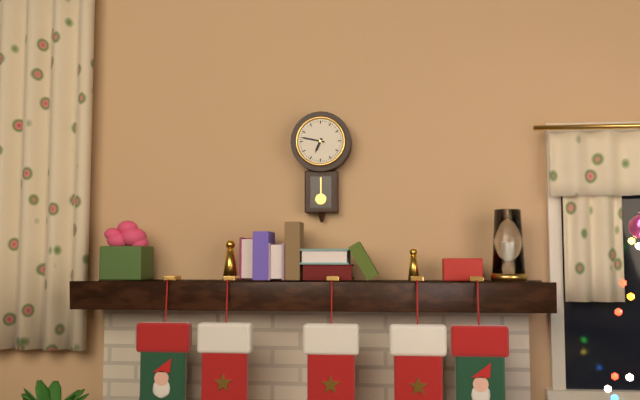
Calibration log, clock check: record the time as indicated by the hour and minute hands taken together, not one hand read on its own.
6:47
